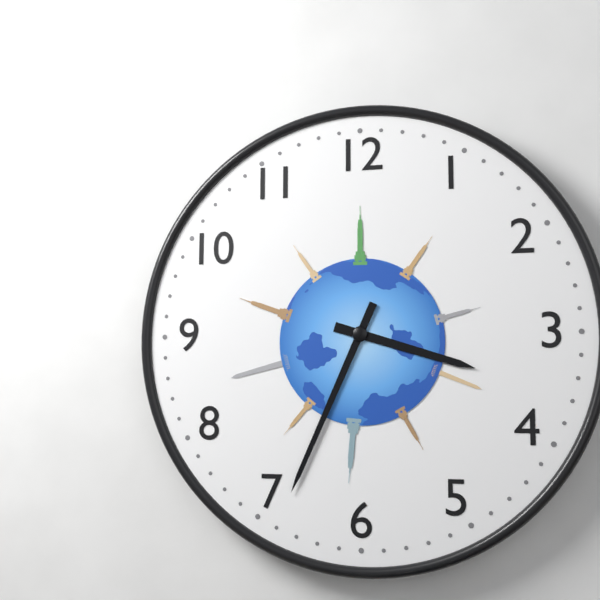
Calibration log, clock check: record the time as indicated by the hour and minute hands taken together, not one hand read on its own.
3:34
